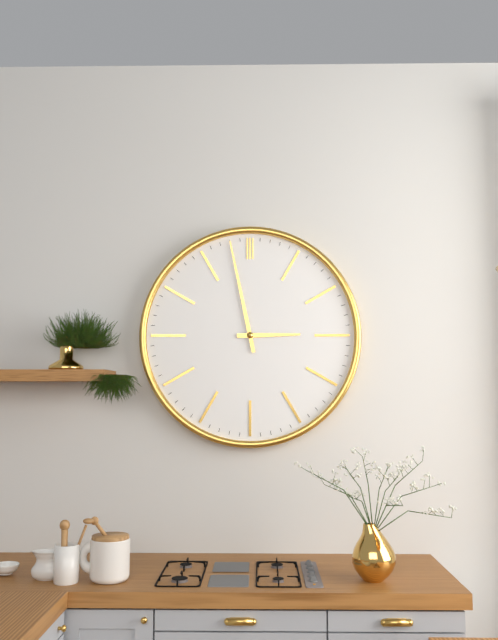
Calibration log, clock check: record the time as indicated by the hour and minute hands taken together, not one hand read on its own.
2:58
